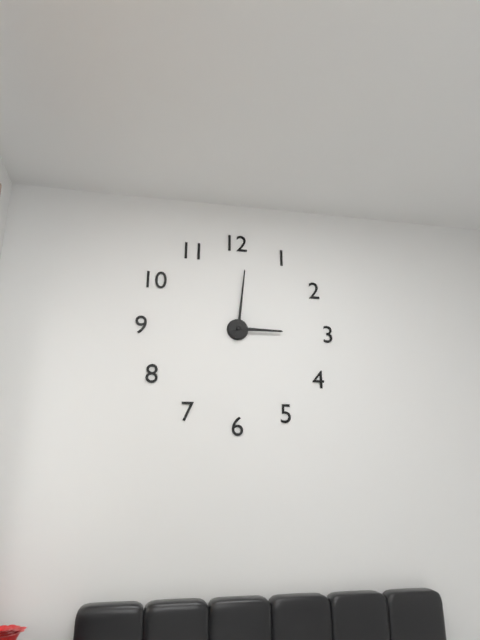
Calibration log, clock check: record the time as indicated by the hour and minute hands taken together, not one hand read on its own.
3:01
